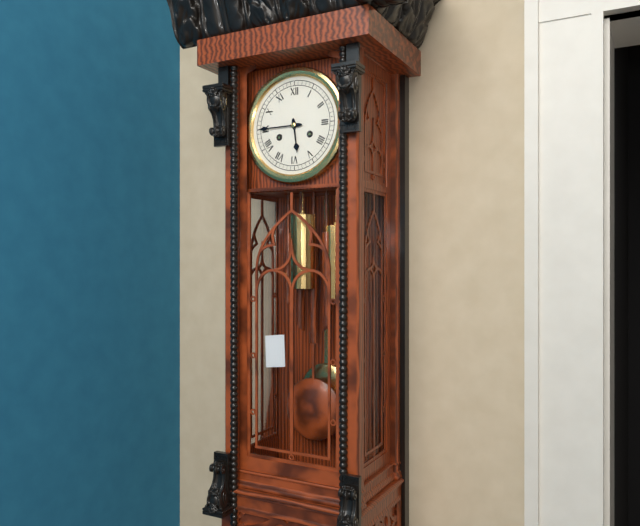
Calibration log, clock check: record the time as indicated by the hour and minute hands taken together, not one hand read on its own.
5:45
